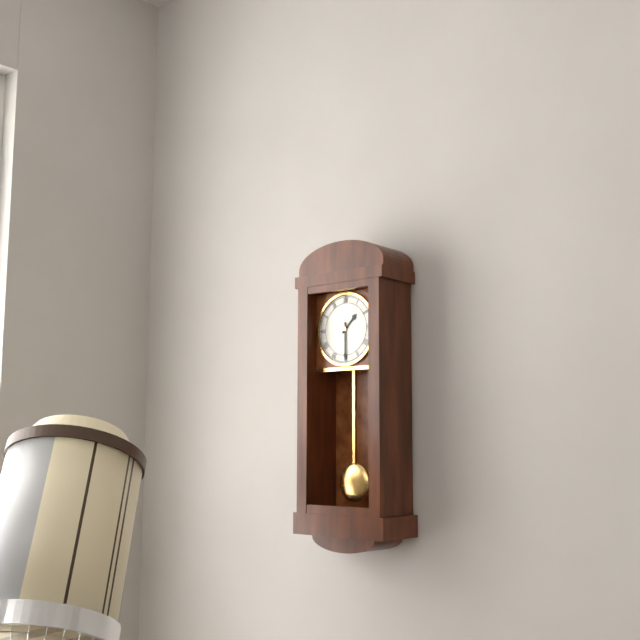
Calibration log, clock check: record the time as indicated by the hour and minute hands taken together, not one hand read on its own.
1:30
